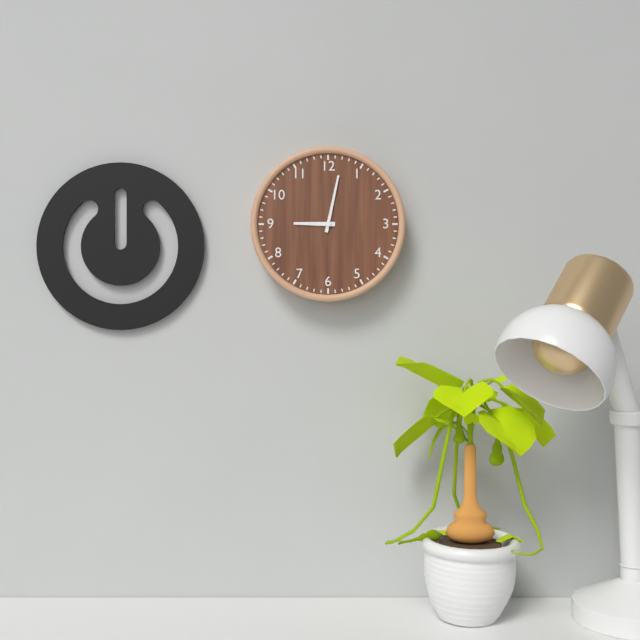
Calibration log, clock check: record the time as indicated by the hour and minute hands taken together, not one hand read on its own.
9:02
